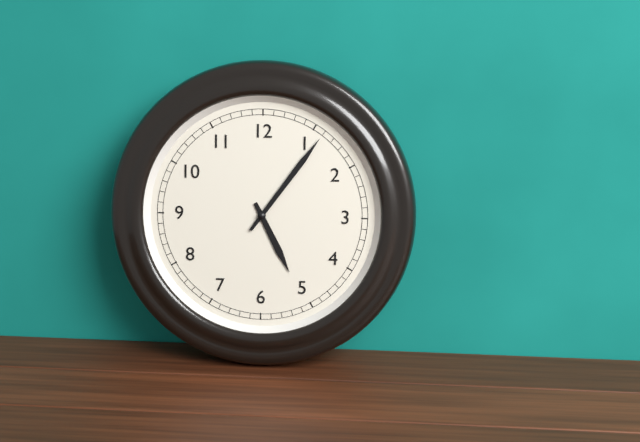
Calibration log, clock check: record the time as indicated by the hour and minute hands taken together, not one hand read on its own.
5:06
